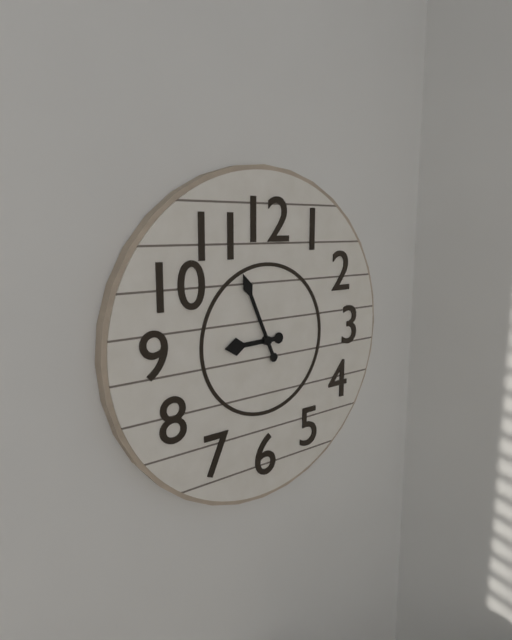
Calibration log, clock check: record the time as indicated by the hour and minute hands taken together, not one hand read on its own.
8:56
